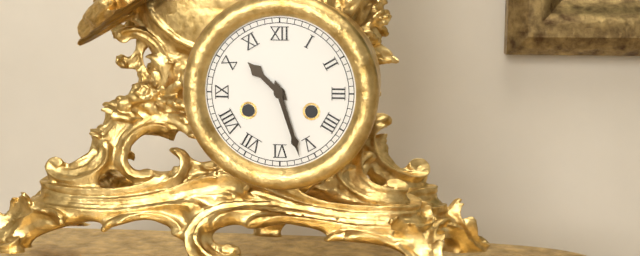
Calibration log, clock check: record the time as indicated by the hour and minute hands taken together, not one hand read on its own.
10:27
